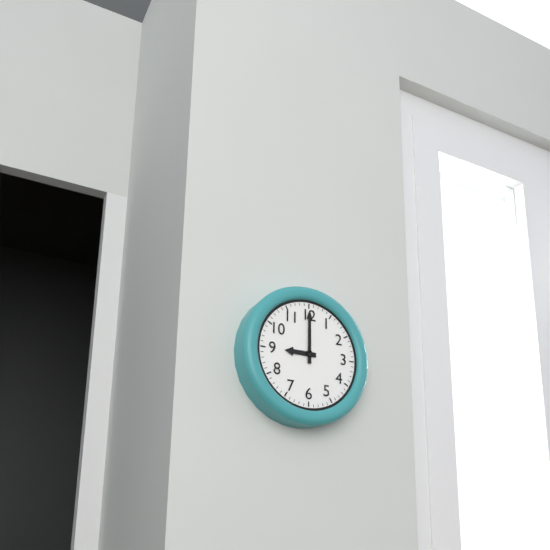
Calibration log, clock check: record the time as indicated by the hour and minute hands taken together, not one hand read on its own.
9:00
